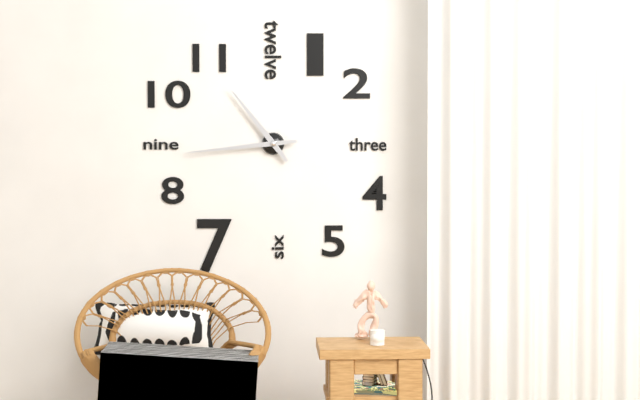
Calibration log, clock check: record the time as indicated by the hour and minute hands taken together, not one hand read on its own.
10:44
